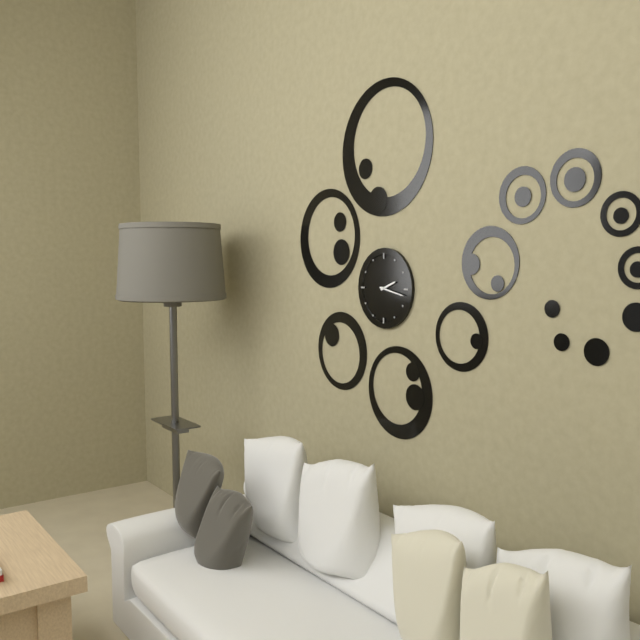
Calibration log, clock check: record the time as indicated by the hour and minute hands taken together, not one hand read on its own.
2:17
